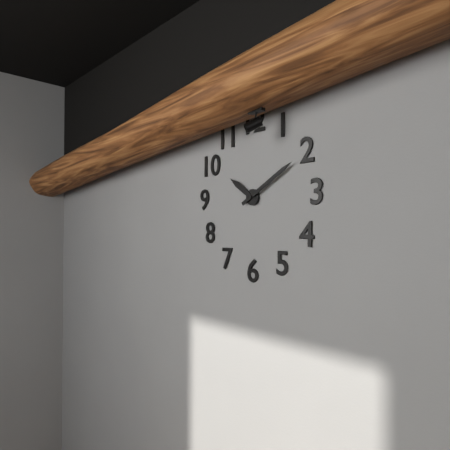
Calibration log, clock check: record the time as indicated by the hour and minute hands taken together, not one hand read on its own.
10:10
